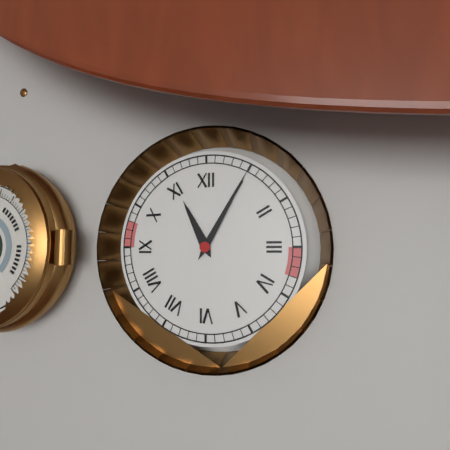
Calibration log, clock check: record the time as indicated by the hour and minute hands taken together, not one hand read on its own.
11:05
